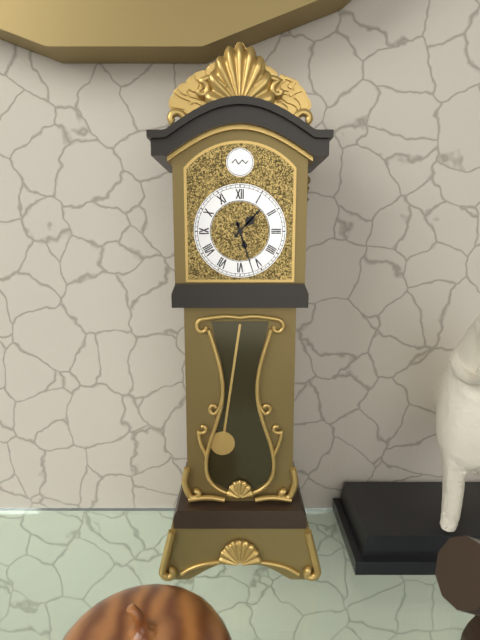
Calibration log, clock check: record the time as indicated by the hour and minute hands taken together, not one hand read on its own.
1:27
